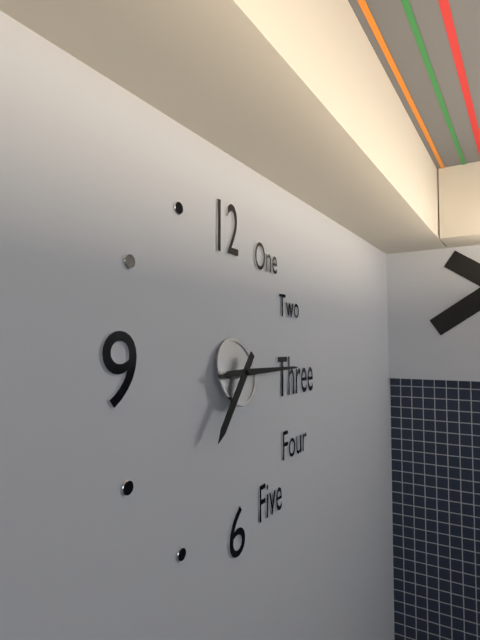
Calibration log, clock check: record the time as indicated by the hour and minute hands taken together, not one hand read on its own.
7:15
